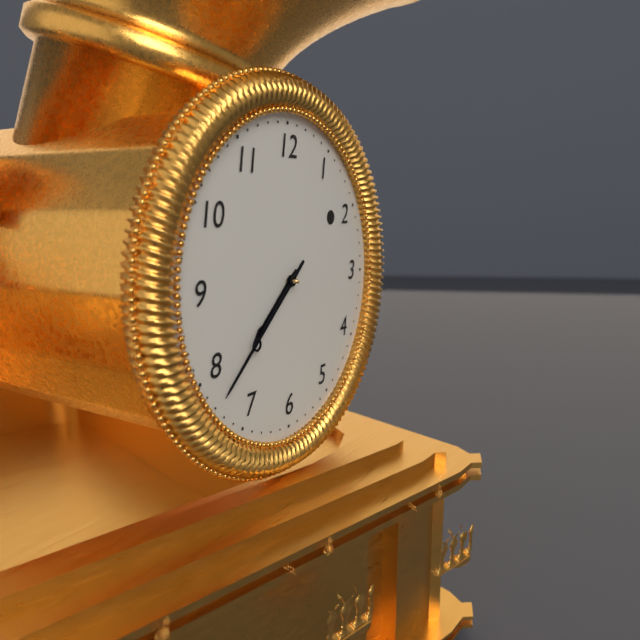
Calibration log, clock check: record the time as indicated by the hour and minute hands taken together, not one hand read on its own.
7:38
